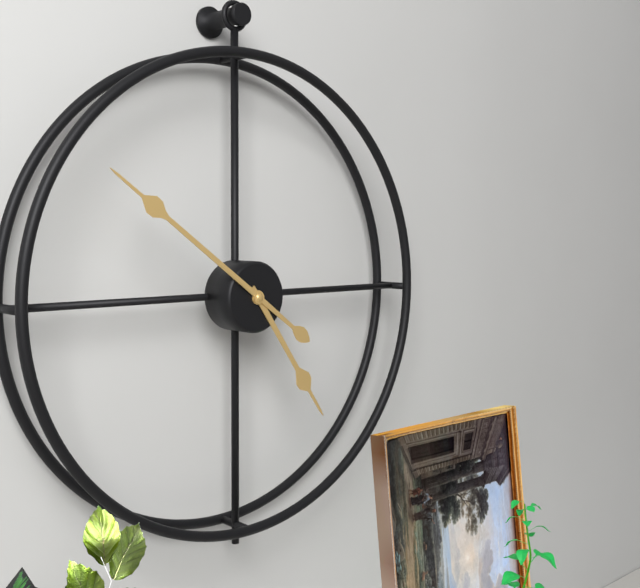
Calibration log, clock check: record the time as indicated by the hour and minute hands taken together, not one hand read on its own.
4:51
